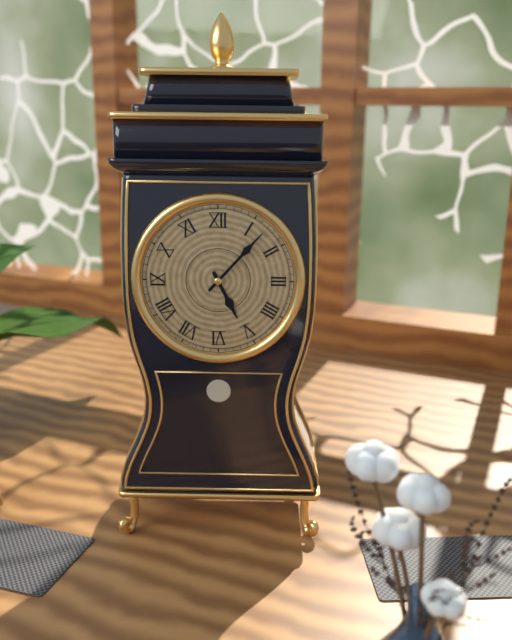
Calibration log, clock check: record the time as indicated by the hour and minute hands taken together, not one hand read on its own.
5:07
